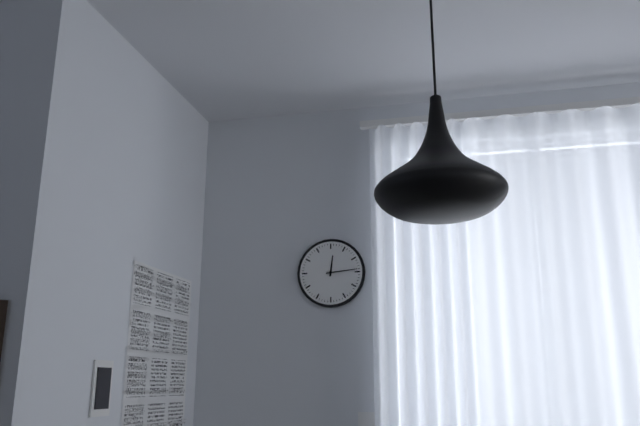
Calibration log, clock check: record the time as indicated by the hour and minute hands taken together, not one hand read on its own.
12:14
